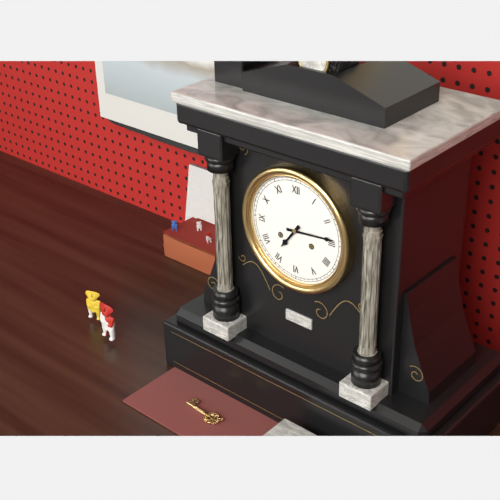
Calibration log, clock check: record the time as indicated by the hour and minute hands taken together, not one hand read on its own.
7:14
